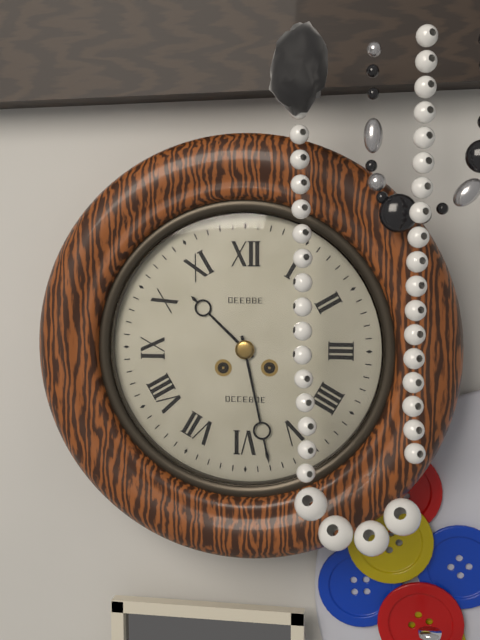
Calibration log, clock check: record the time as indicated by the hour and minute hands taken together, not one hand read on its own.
10:28
